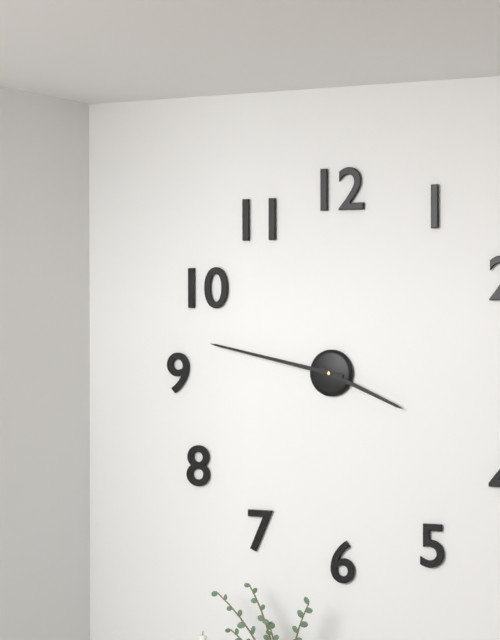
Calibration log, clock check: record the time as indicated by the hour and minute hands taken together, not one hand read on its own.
3:47
